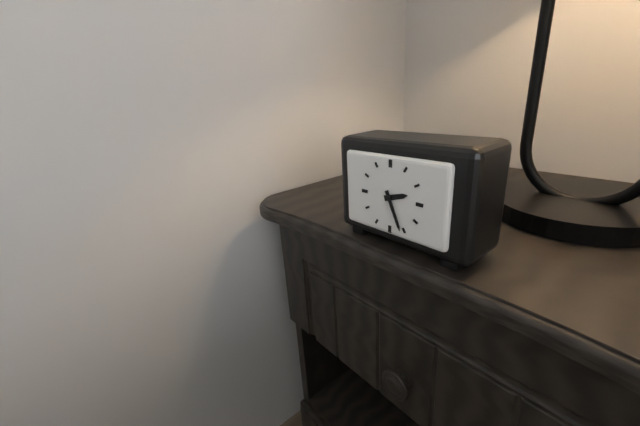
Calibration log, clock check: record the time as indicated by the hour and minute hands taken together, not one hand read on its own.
2:26
